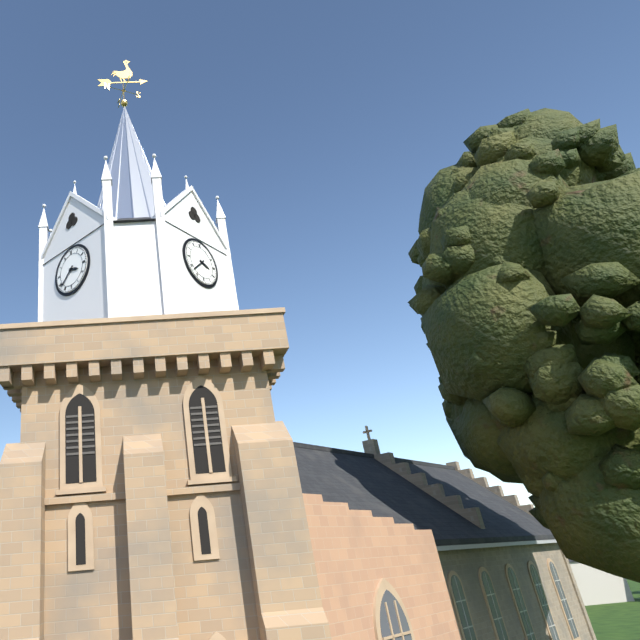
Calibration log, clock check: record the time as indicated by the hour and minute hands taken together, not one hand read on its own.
3:38
